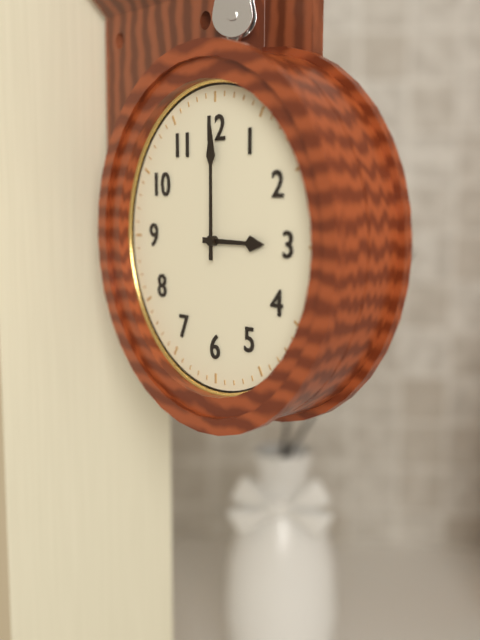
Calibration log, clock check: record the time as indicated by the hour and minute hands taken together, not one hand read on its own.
3:00
